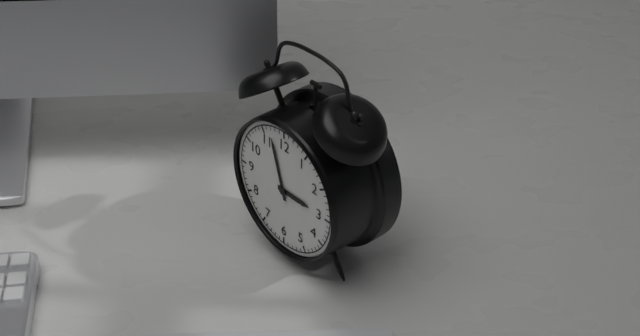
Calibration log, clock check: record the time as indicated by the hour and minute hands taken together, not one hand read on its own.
2:57
